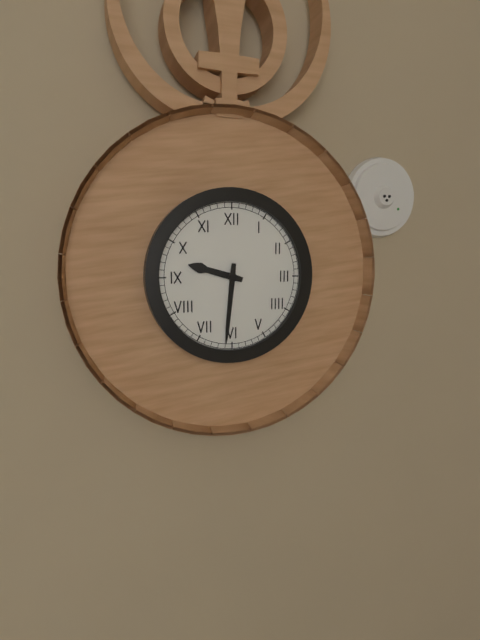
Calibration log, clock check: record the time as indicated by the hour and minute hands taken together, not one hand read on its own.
9:31
